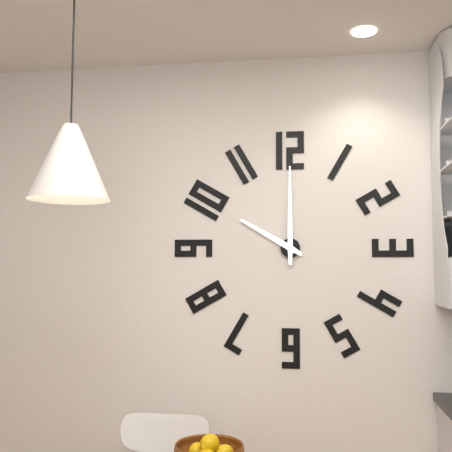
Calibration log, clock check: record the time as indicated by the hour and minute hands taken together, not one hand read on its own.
10:00
